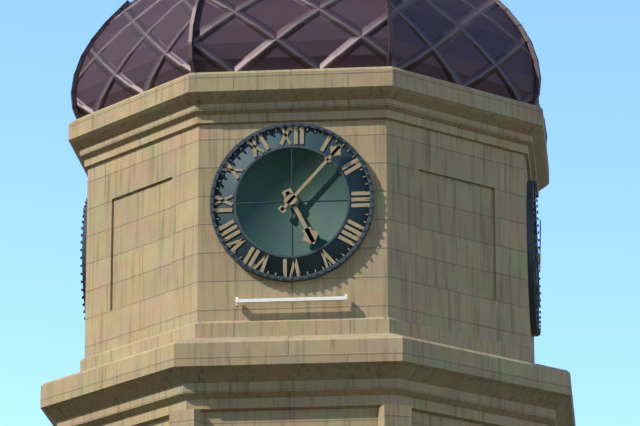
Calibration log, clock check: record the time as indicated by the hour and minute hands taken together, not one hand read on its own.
5:07
